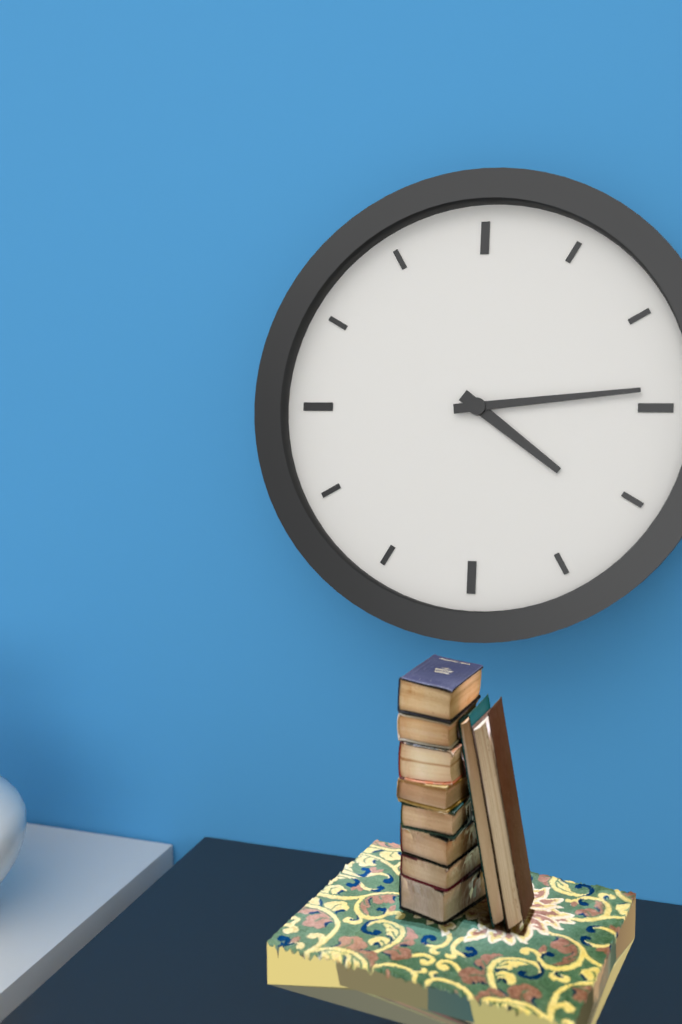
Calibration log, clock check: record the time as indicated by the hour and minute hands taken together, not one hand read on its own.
4:14
